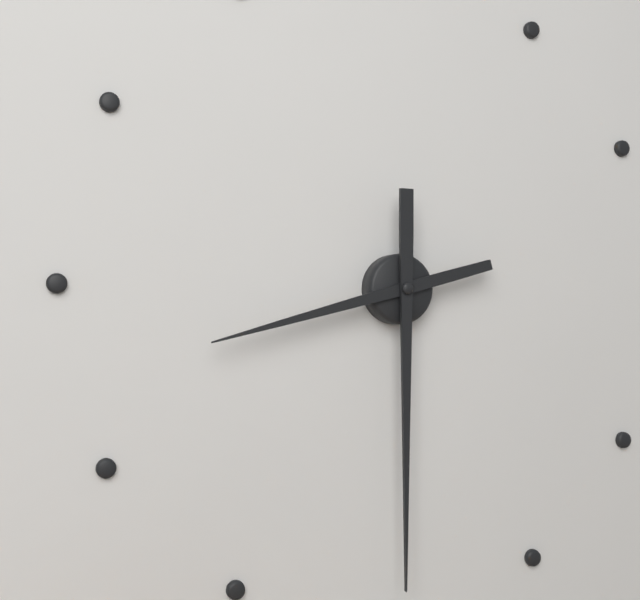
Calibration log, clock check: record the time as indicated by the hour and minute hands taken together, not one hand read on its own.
8:30
